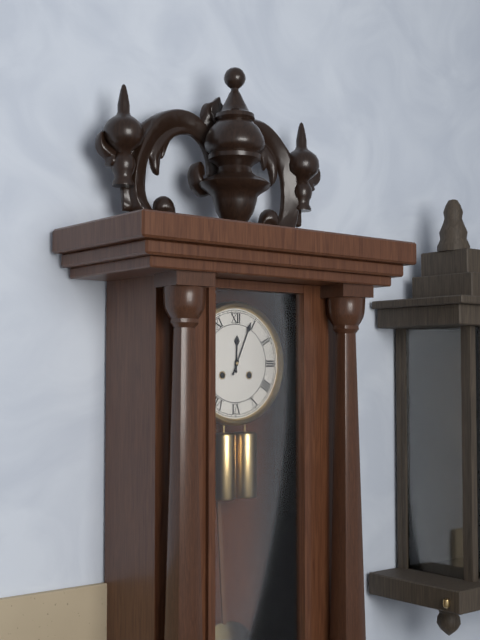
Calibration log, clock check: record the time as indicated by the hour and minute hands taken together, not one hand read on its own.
12:04
